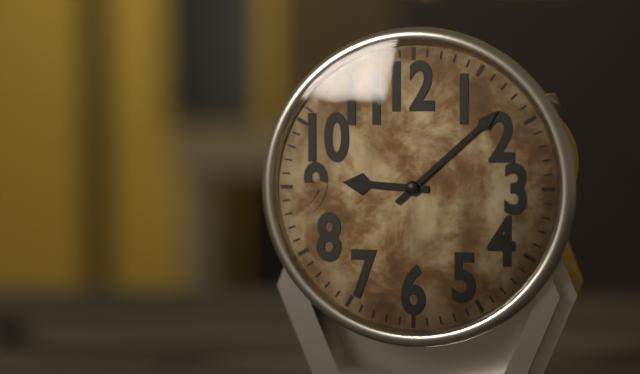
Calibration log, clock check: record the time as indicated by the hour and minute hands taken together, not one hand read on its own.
9:08
